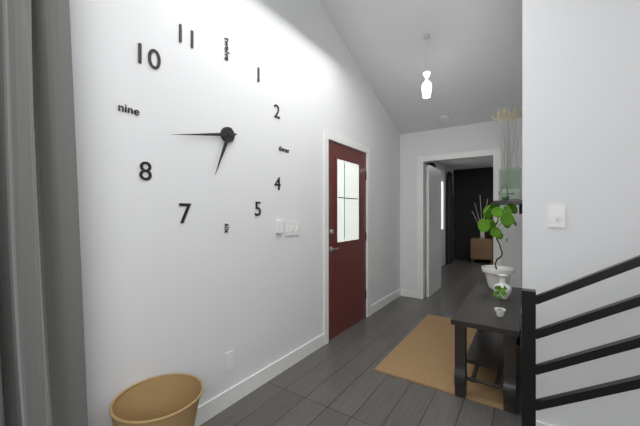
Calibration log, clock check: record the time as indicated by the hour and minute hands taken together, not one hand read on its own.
6:43
